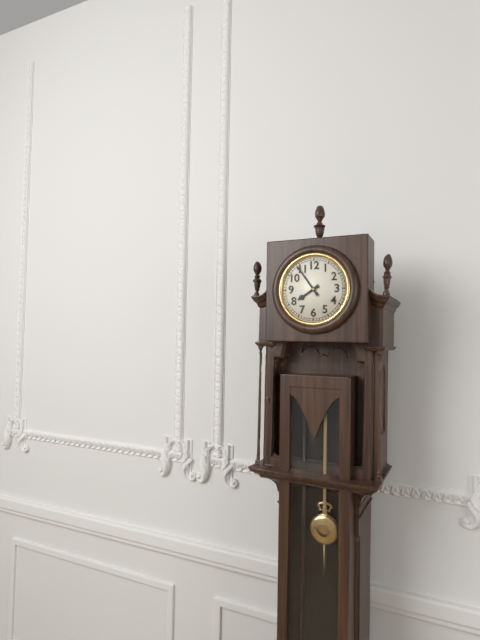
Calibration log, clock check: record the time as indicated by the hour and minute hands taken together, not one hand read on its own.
7:54
